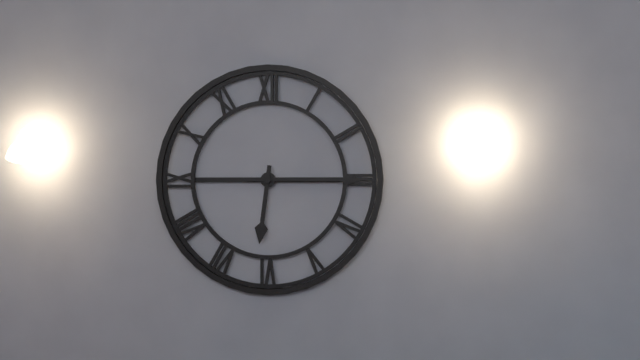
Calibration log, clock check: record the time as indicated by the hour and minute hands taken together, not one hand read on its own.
6:15
